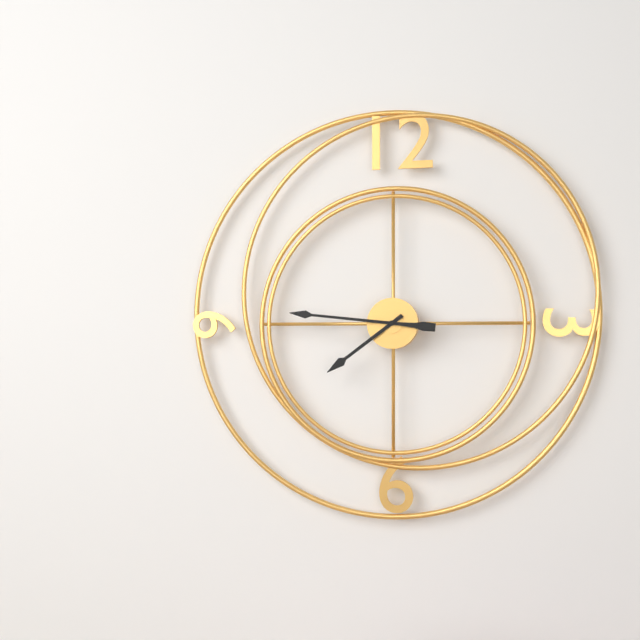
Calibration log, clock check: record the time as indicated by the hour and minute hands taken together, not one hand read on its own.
7:46
